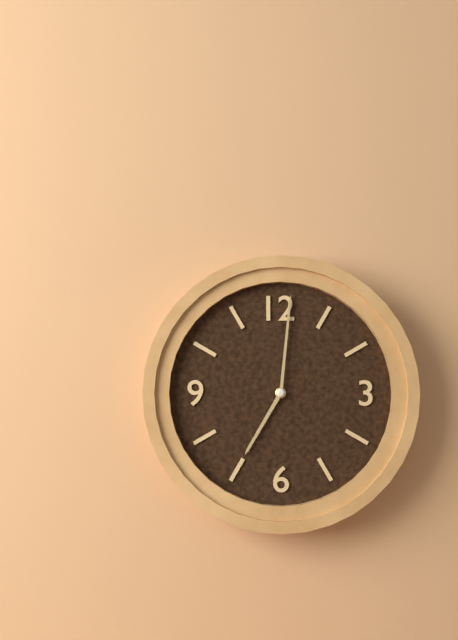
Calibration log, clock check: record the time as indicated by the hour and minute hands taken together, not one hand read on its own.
7:01
